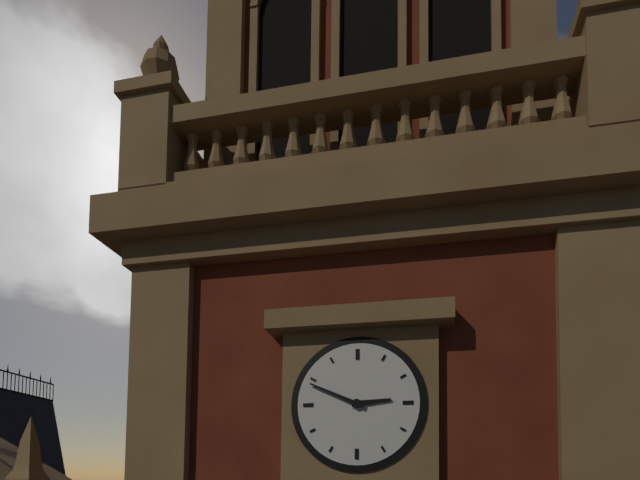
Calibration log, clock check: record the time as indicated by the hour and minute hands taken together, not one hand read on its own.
2:49
